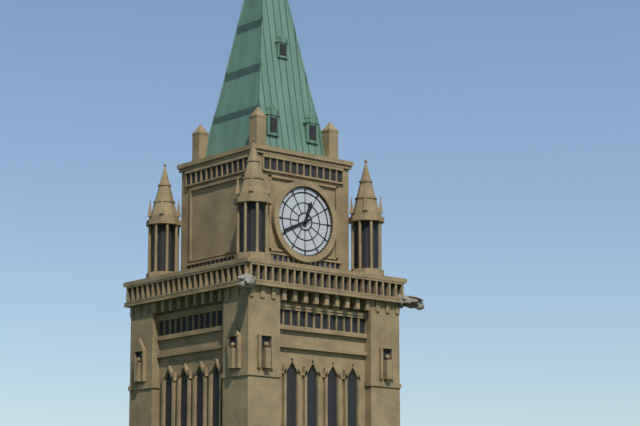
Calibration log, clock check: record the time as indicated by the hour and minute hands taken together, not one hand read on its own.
12:41
